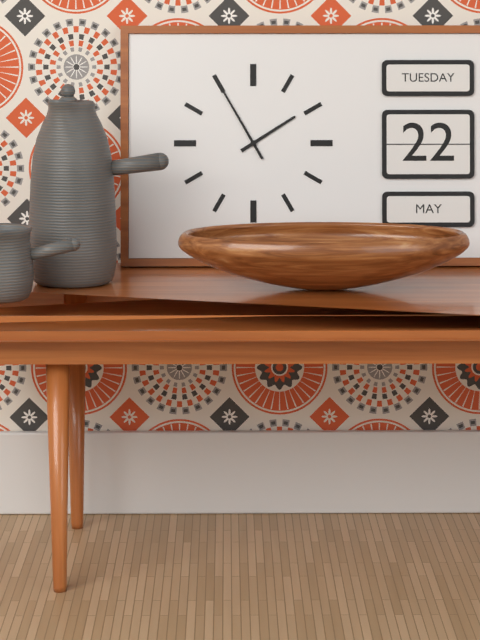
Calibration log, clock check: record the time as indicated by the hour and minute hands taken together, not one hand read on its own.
1:55
